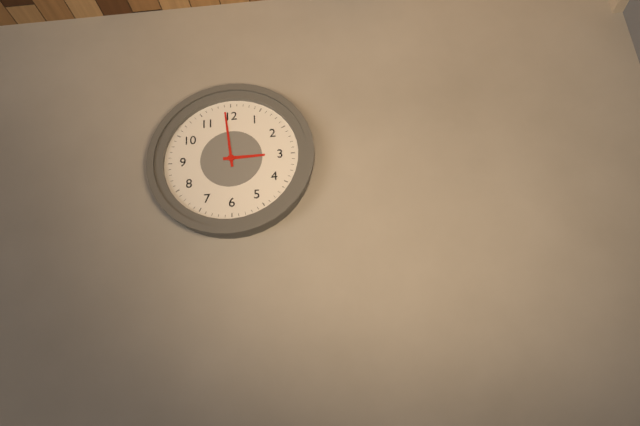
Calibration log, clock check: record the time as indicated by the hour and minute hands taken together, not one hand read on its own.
2:59
